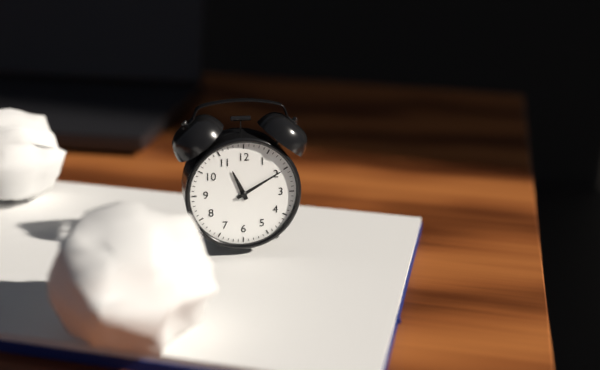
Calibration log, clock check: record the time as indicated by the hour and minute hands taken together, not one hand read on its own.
11:10
